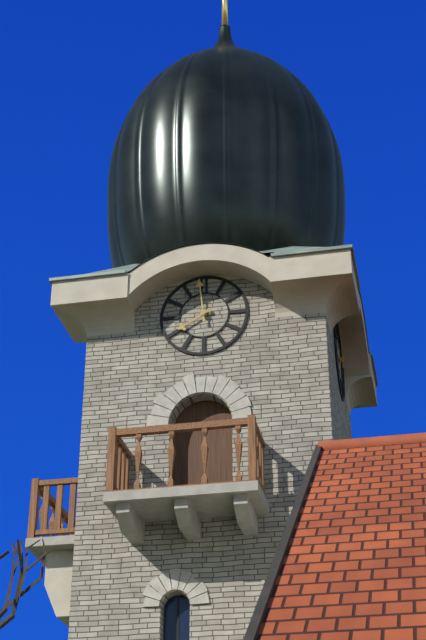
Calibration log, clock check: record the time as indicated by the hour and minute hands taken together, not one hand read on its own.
7:59
